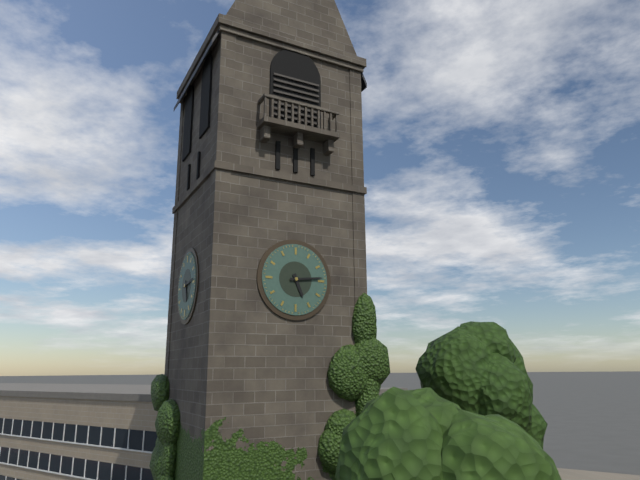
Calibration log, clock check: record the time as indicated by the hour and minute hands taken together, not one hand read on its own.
5:14
